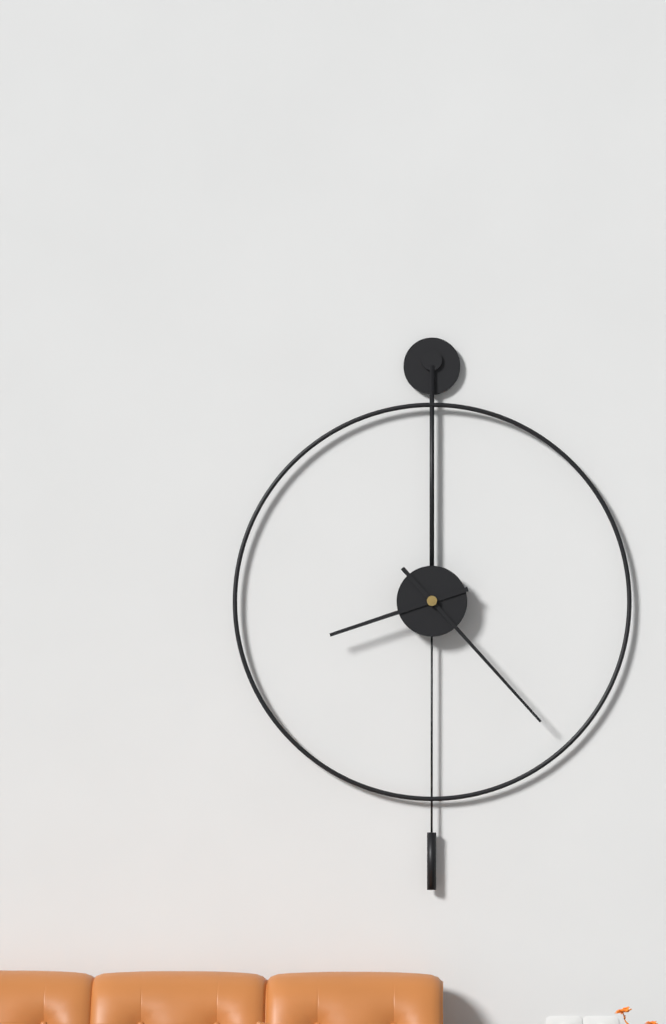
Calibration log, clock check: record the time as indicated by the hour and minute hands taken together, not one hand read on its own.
8:23
